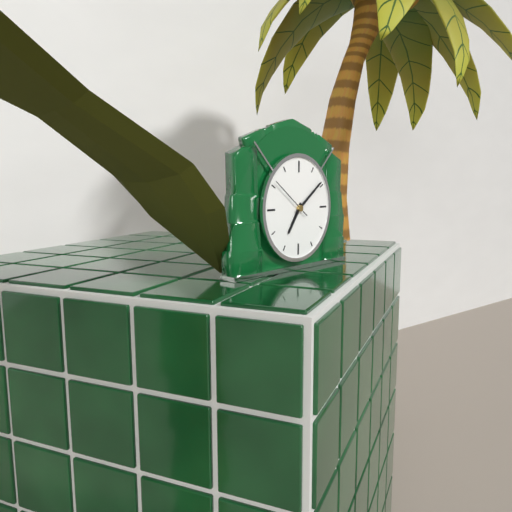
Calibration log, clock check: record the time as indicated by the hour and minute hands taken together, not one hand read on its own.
7:09
